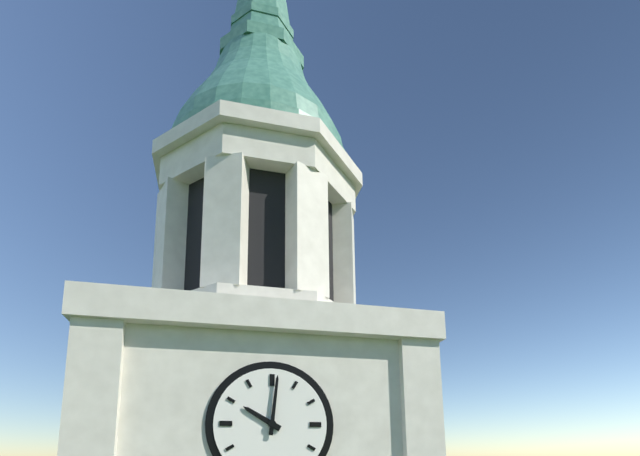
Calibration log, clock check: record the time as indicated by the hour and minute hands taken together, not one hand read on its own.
10:01
